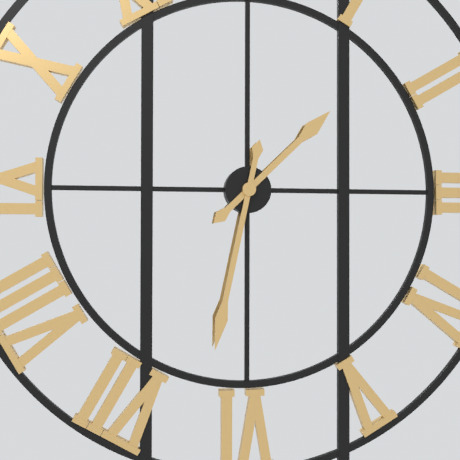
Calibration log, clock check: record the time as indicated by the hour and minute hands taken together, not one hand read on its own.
1:32
